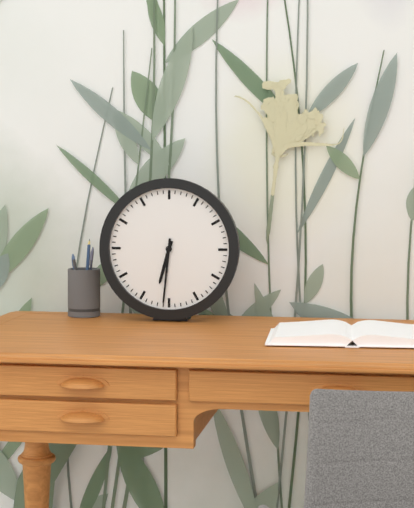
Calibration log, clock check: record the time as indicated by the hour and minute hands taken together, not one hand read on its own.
6:31
